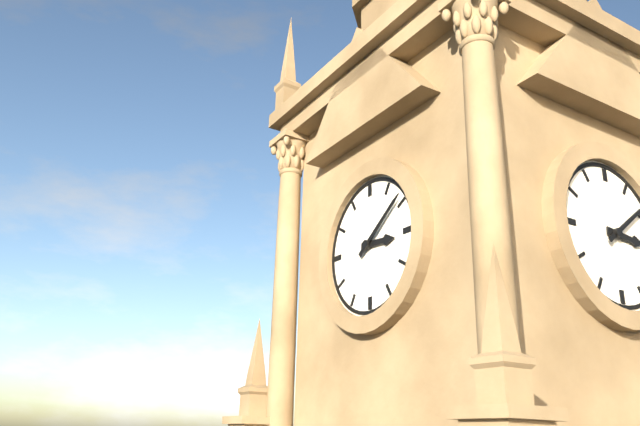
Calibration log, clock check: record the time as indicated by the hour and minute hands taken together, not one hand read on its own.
3:09
